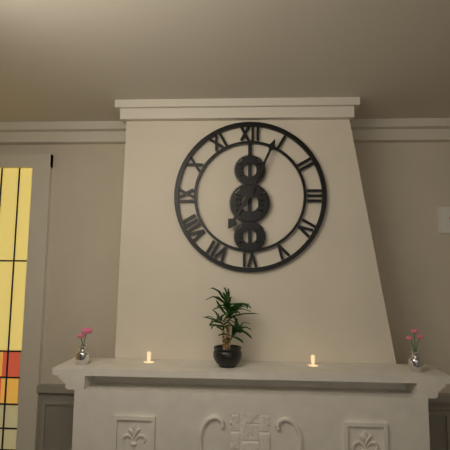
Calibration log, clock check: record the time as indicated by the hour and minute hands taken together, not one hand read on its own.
7:04
